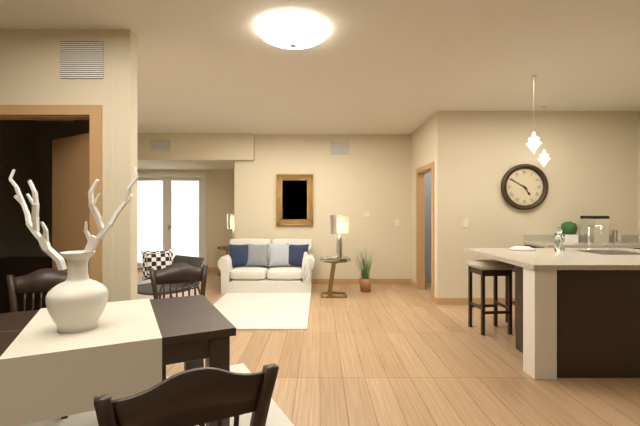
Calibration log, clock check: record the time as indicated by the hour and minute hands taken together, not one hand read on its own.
4:50
